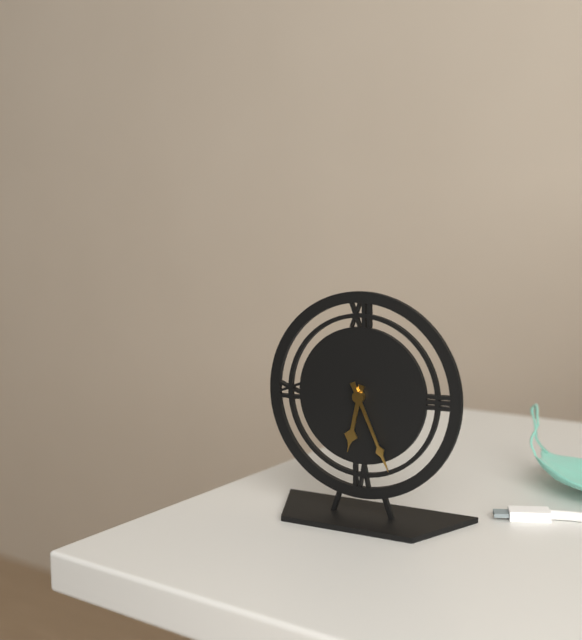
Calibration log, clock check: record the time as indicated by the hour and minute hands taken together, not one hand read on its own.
6:26
